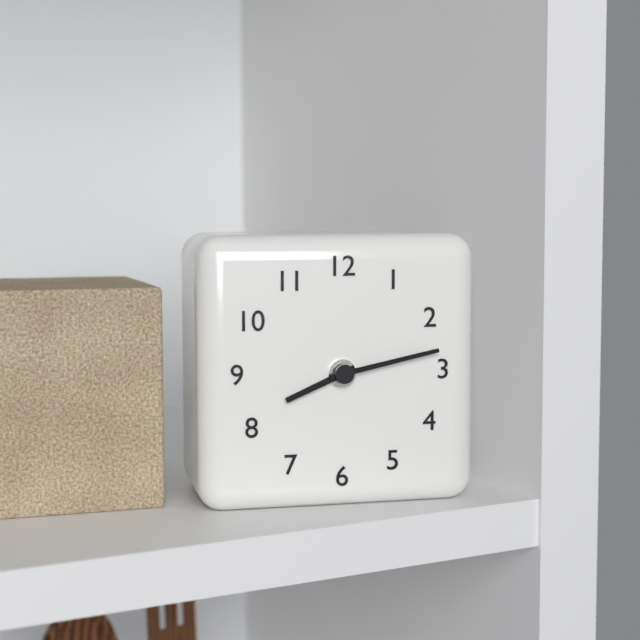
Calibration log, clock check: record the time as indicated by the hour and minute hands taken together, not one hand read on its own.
8:13
